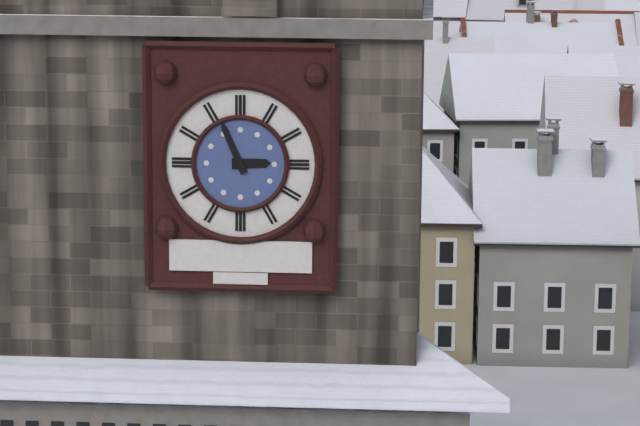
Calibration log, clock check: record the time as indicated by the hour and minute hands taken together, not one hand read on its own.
2:56
